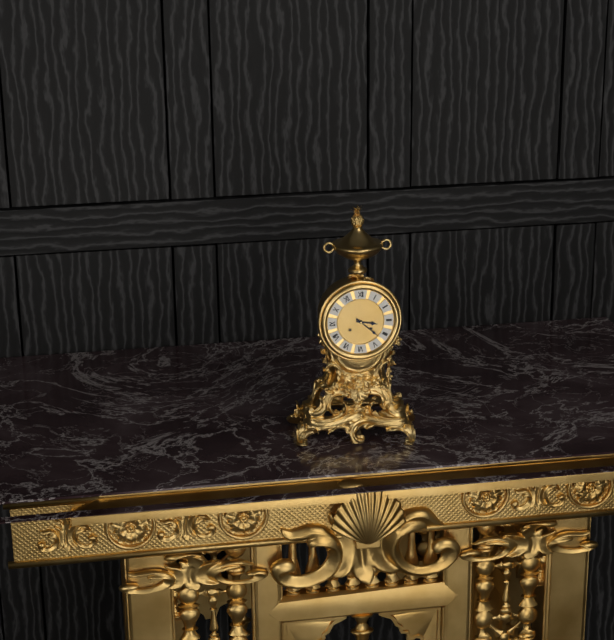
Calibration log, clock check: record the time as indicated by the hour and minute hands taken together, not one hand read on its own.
3:22
